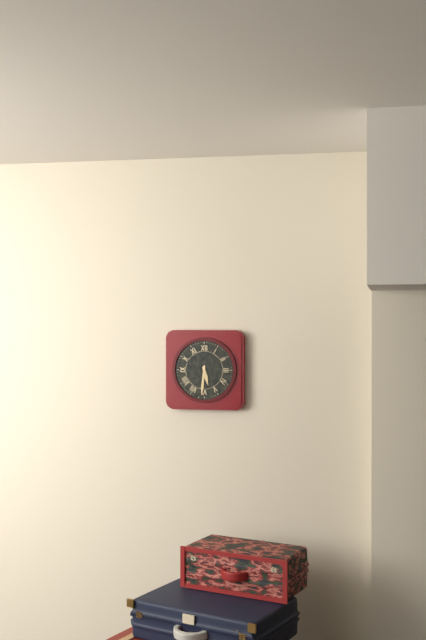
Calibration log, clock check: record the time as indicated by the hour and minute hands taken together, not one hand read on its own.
5:31
